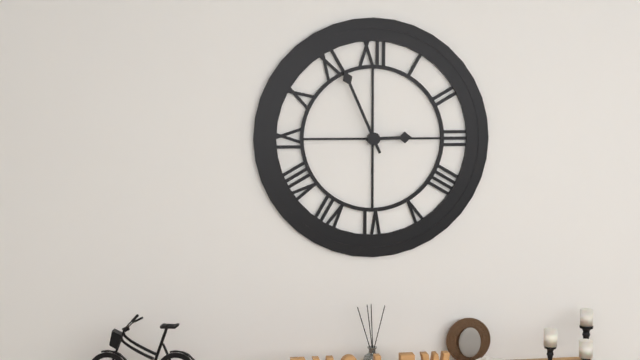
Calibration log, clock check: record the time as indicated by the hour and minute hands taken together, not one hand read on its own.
2:56
